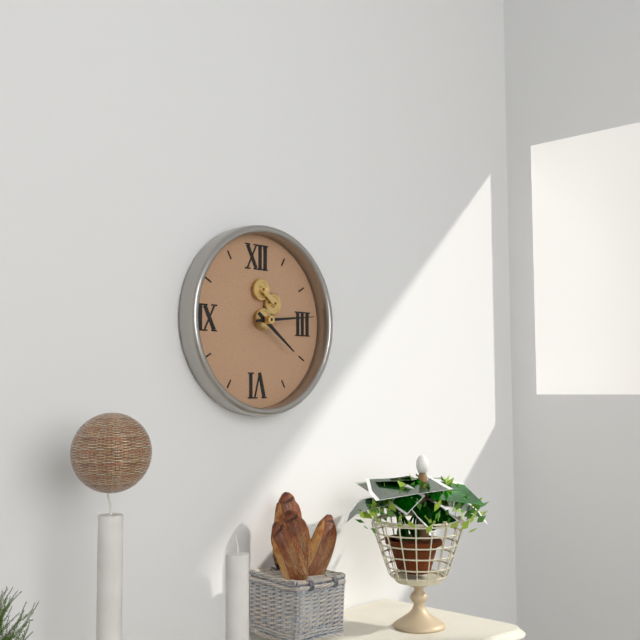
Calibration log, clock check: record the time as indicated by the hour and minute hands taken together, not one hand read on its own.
4:14
